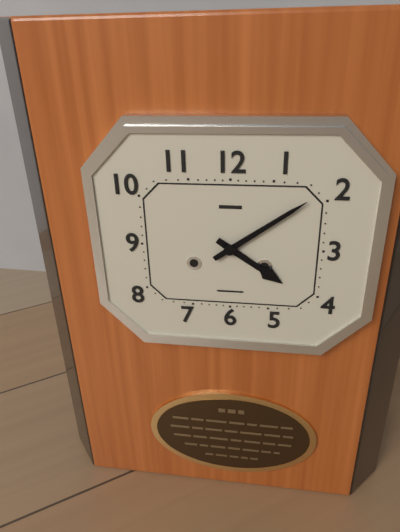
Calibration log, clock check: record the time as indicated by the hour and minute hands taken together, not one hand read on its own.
4:09
